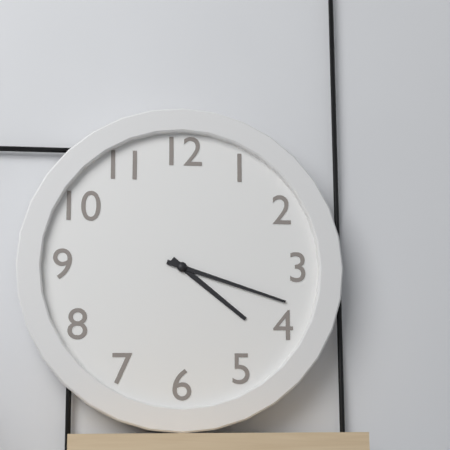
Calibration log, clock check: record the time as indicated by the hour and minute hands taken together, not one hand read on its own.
4:18
